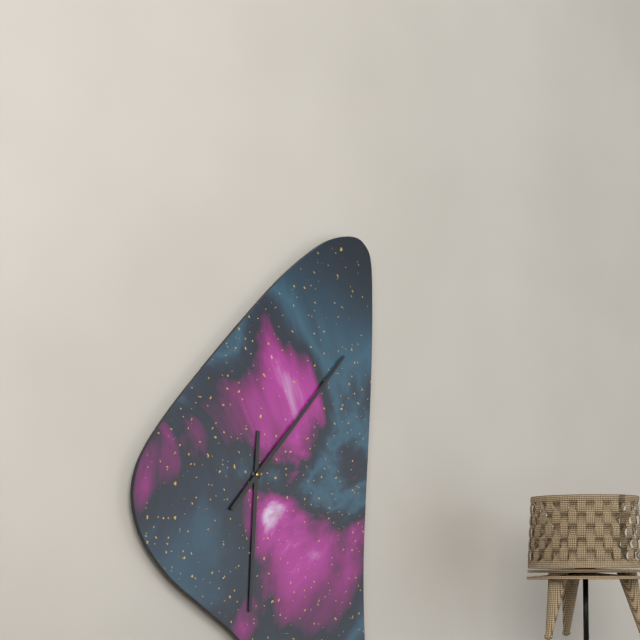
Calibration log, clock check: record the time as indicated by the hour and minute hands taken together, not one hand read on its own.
6:07
